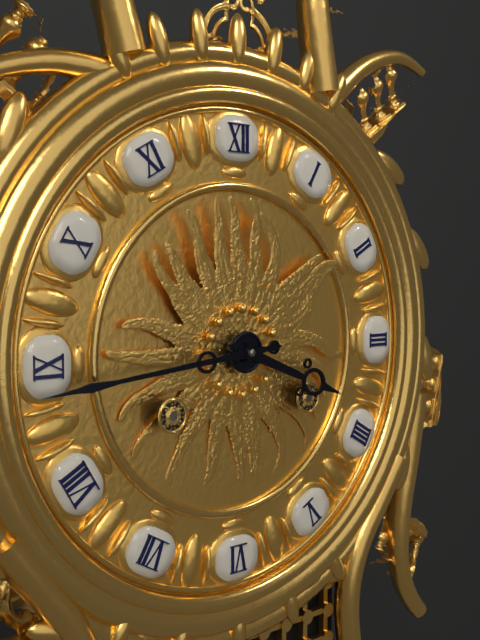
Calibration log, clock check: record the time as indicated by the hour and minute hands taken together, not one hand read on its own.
3:44
